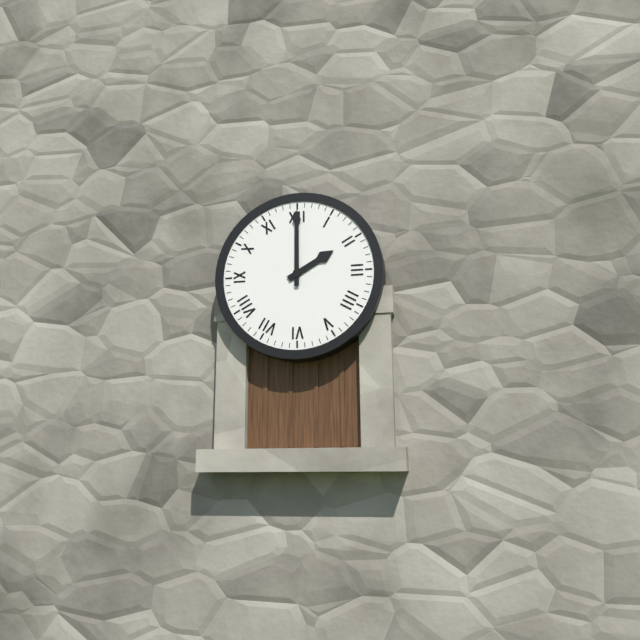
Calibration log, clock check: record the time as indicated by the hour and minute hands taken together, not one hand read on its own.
2:00
